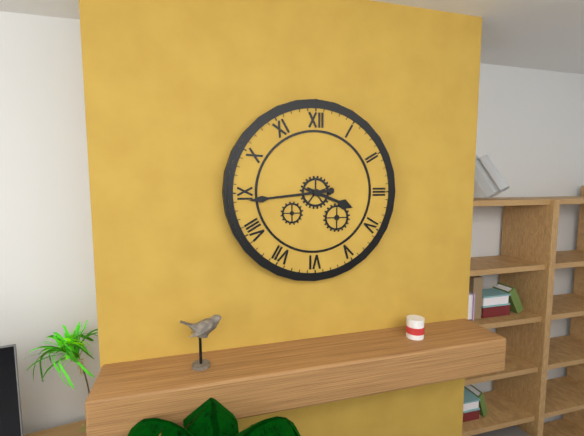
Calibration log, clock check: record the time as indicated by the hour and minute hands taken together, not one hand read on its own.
3:44
